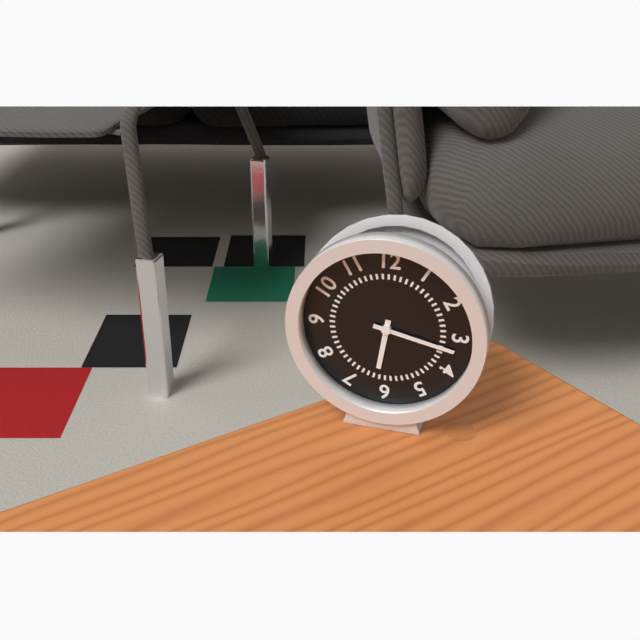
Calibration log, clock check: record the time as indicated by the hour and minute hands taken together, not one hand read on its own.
6:17
